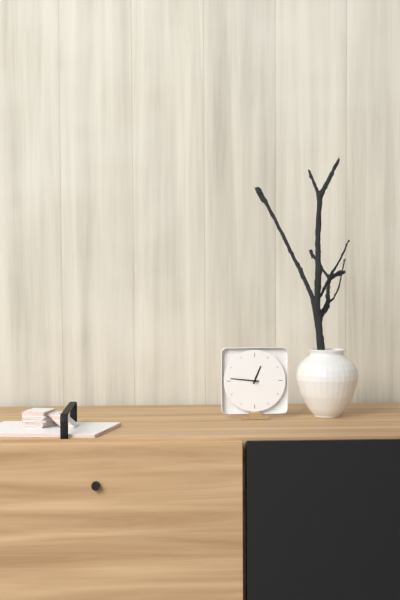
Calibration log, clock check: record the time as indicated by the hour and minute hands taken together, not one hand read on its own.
12:46
